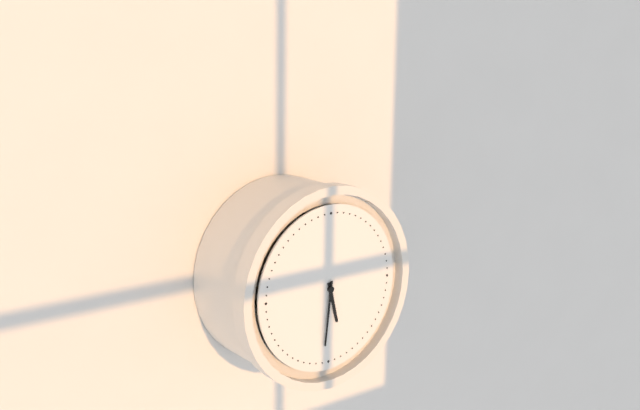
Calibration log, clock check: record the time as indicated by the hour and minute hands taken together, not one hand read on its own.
5:31
